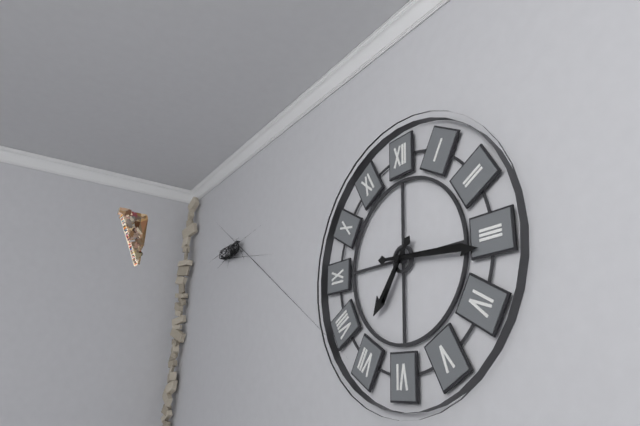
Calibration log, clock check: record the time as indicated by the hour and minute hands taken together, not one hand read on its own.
7:16
